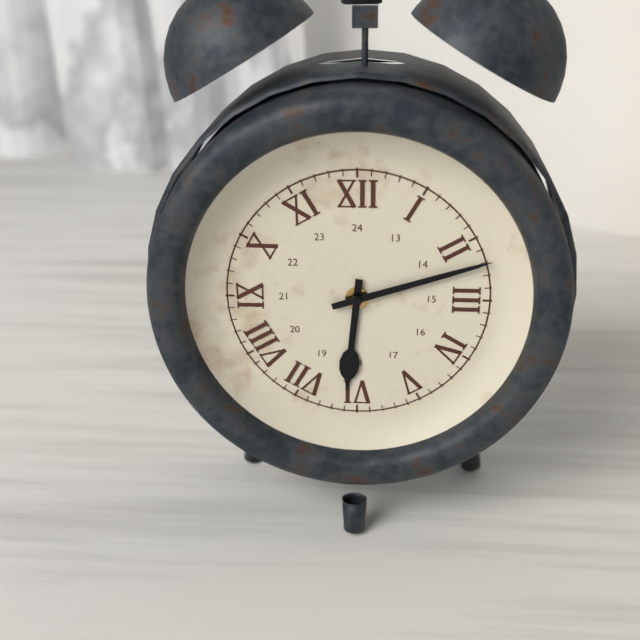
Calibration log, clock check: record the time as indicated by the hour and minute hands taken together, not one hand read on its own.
6:12
